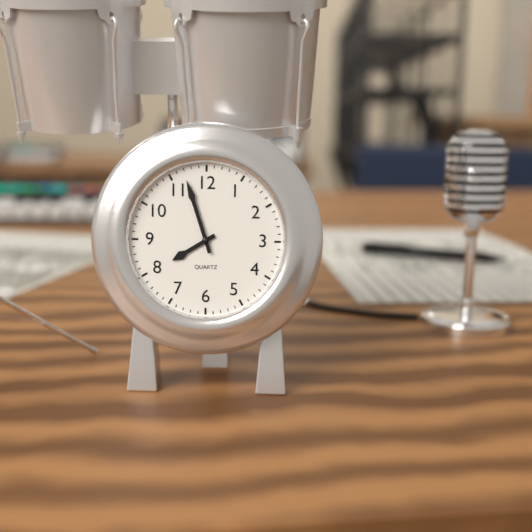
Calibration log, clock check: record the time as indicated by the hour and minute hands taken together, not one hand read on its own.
7:57
